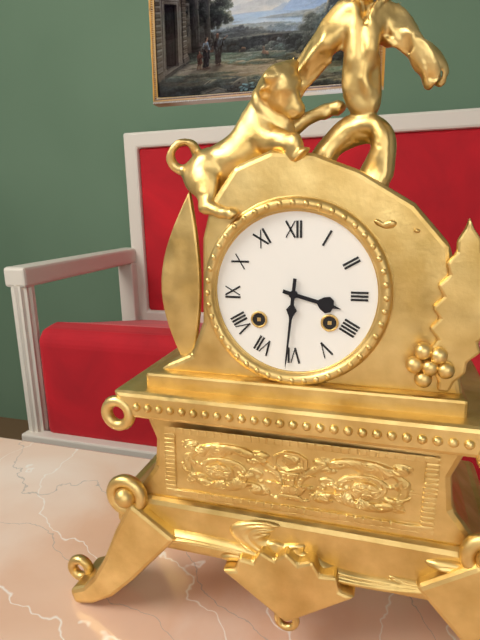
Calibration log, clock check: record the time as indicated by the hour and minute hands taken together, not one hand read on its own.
3:31
